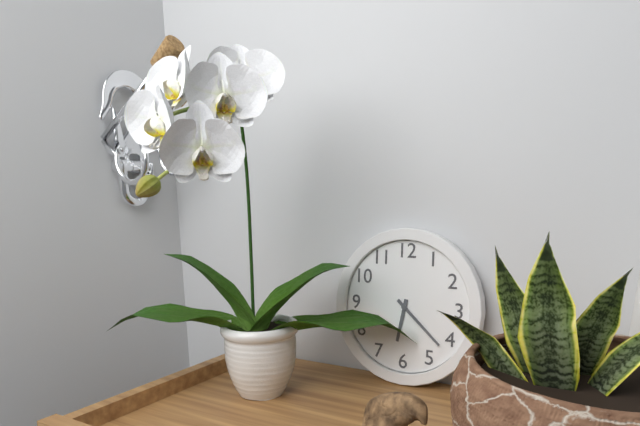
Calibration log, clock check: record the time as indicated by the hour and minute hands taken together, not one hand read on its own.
6:22
